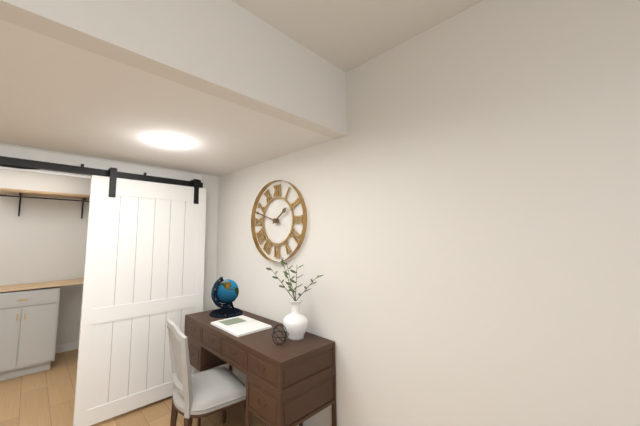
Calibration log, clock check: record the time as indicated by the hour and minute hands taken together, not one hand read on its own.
1:48
